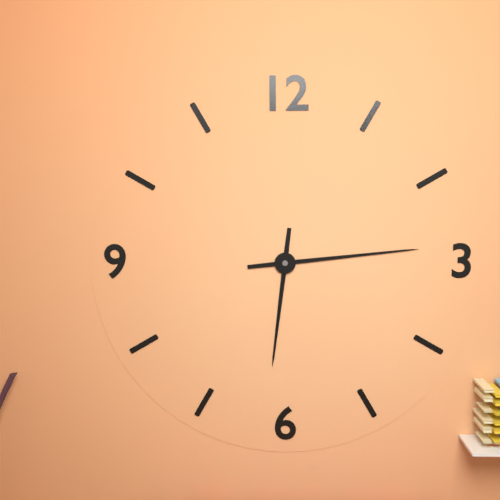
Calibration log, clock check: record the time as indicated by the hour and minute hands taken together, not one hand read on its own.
6:14
